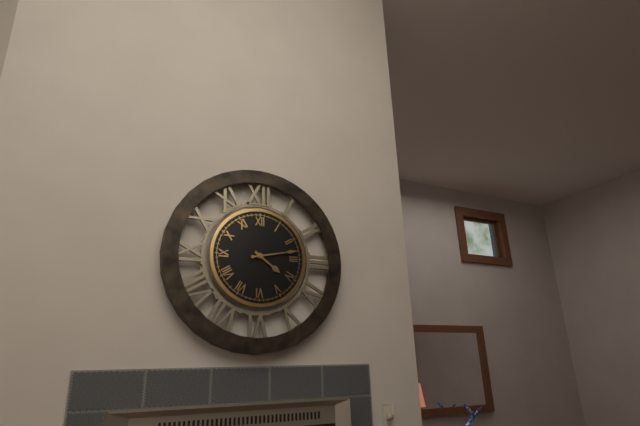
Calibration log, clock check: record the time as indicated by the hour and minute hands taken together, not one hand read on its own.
4:13
